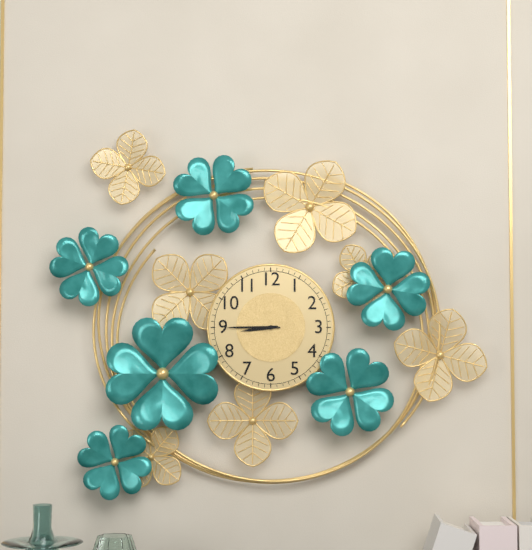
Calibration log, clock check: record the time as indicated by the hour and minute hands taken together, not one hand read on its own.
8:45
